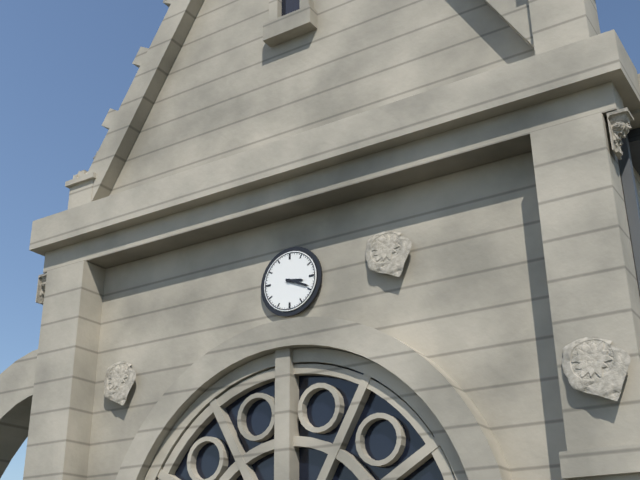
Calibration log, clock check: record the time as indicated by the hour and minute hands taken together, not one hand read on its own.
3:19
